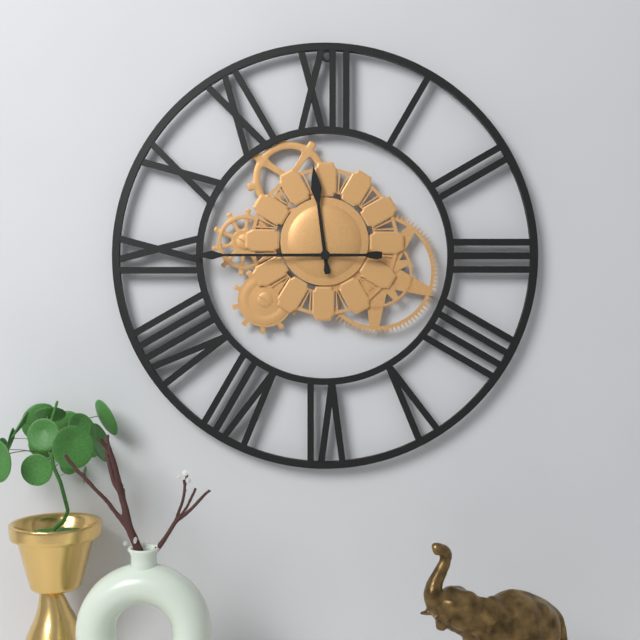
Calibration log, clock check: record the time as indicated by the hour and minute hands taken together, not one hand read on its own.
11:45
